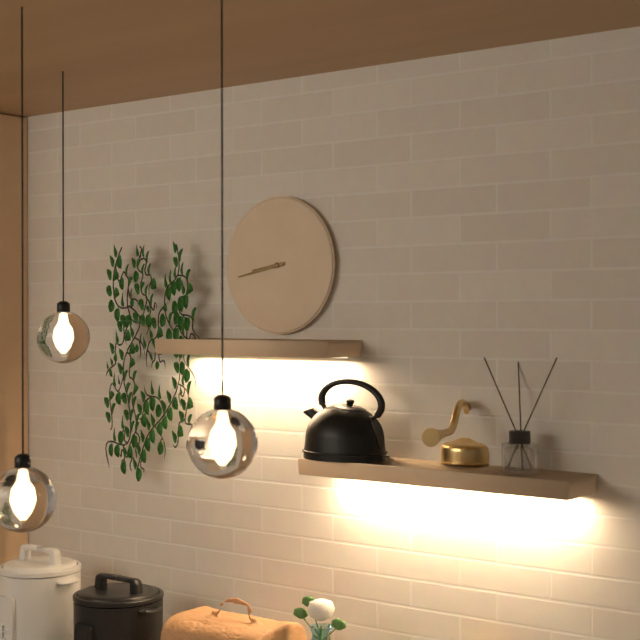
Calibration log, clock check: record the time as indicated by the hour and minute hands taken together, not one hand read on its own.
8:43
